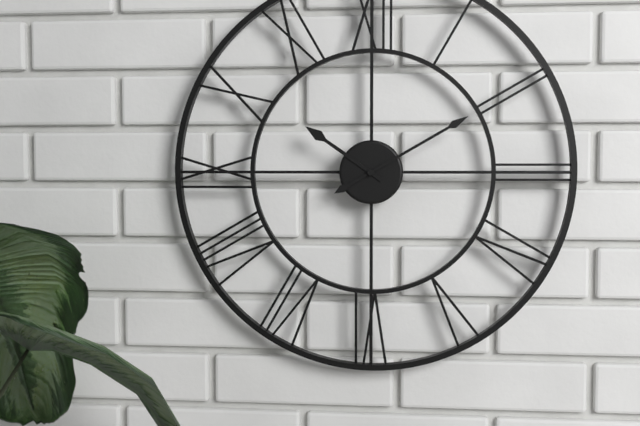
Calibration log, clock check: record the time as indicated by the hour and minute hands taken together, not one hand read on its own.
10:10
